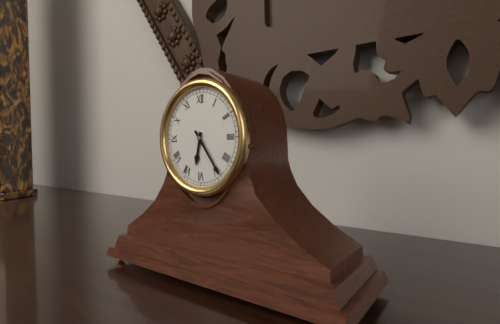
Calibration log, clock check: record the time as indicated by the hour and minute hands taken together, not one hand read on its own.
6:24
